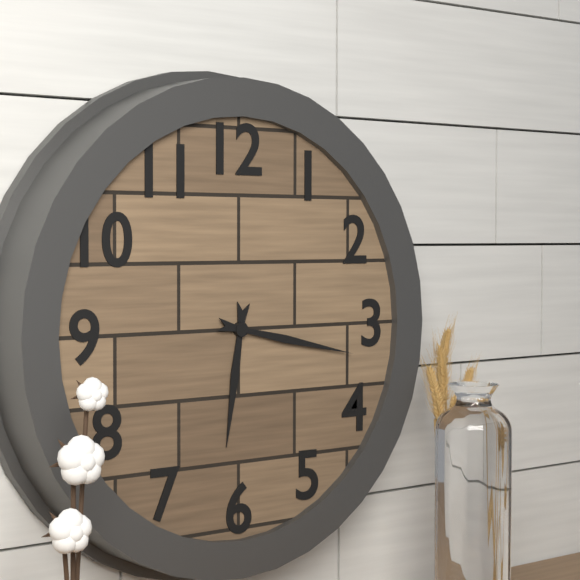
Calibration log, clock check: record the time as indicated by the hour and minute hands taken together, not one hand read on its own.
6:17
